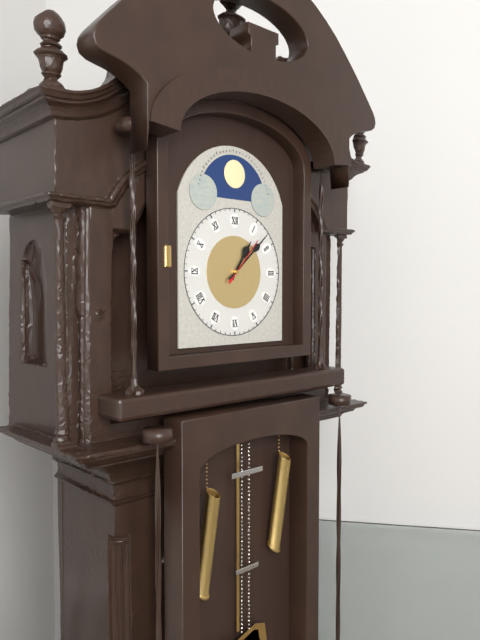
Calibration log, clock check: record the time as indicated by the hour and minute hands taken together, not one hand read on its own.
1:08
